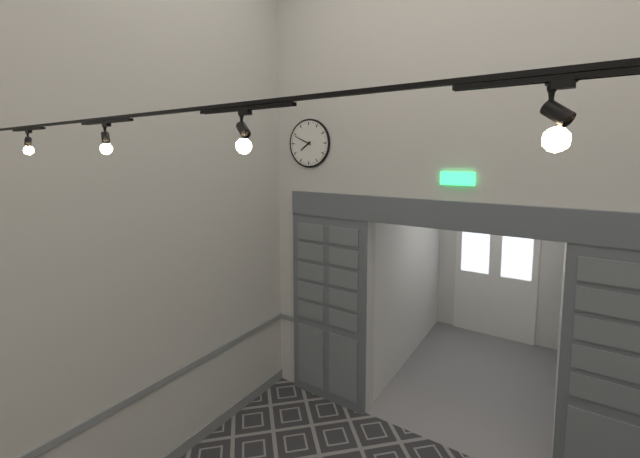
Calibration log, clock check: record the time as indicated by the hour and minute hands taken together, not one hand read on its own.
7:49
